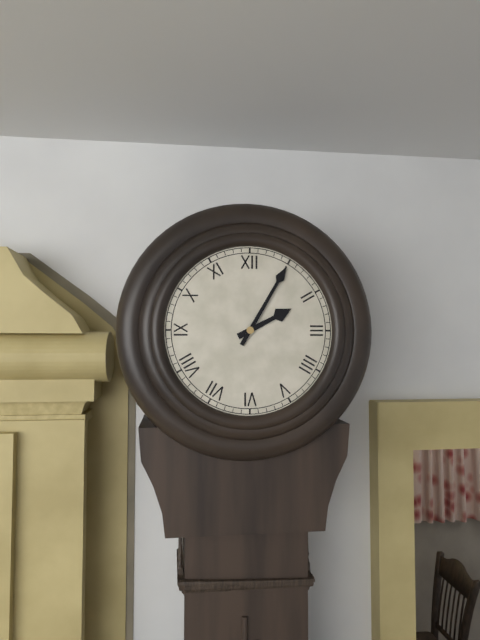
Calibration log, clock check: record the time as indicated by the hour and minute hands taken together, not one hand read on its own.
2:05
